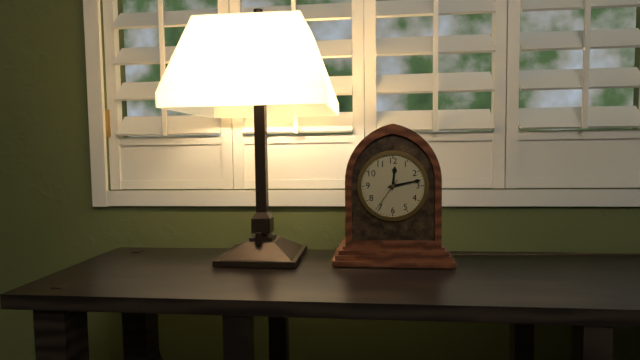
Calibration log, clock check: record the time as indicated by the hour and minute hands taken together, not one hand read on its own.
12:13
